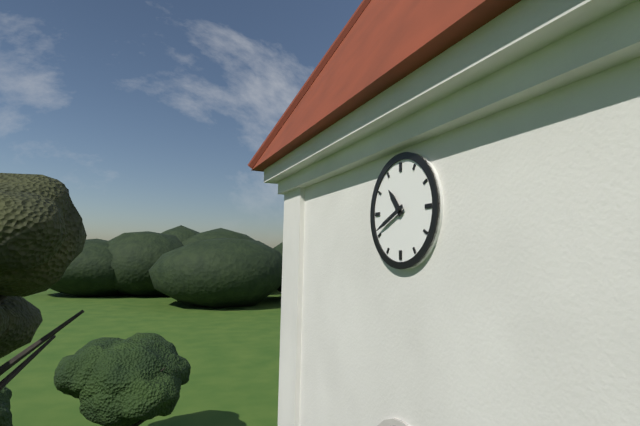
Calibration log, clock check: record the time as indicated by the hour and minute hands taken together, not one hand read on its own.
10:41
